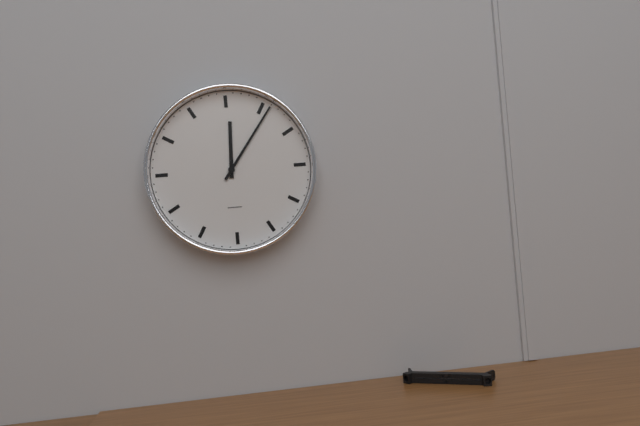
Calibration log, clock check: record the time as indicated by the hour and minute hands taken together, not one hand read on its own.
12:06
